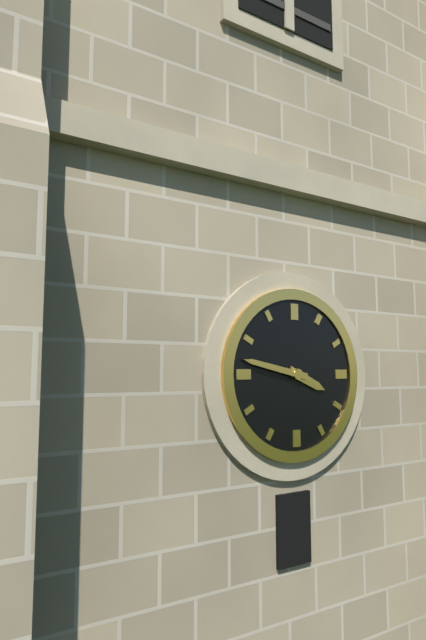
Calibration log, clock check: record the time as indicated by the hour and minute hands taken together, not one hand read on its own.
3:47
